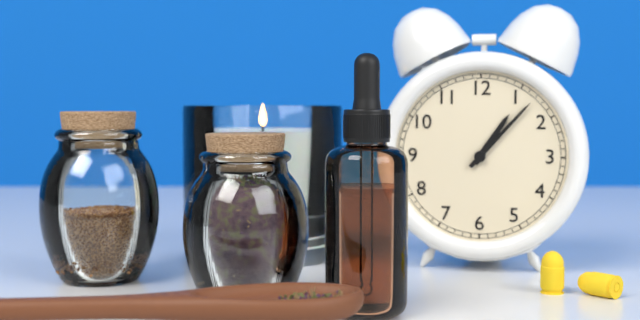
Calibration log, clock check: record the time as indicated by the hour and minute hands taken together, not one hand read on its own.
1:07
